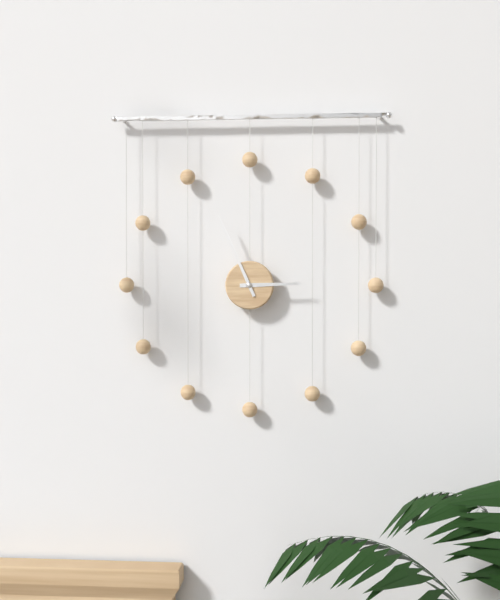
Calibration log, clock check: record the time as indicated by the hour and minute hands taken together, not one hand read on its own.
2:56
